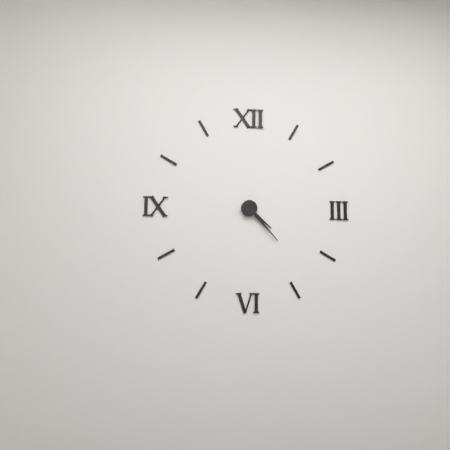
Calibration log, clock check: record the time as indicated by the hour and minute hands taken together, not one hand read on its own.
4:23
